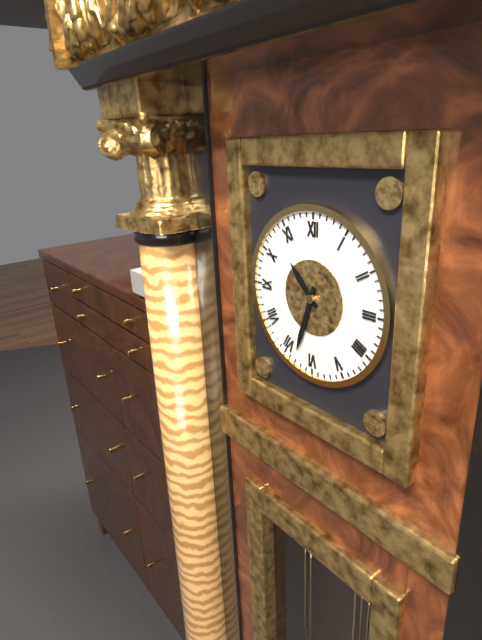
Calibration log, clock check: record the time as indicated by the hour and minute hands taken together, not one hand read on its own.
10:33
